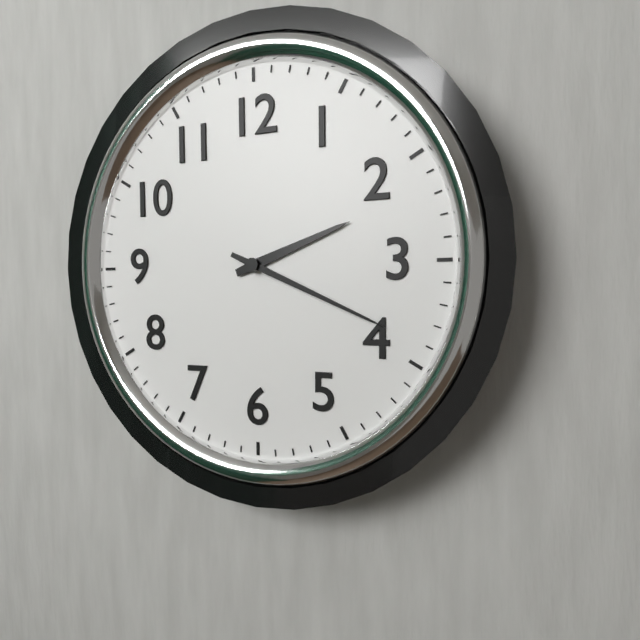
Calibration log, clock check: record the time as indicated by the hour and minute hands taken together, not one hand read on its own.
2:19
